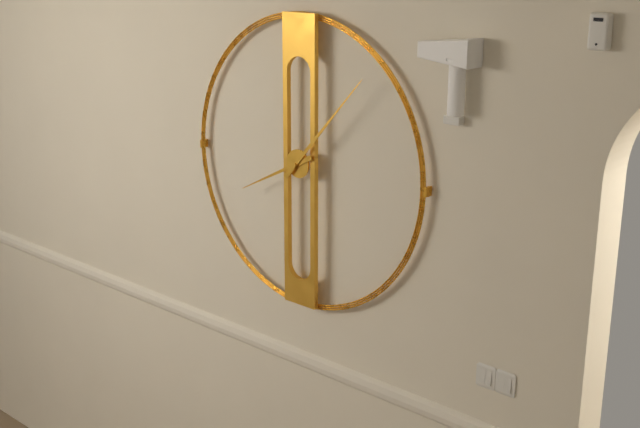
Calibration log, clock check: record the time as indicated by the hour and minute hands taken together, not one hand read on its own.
8:07
